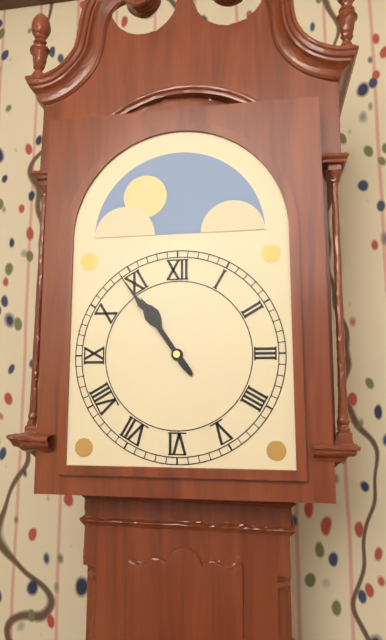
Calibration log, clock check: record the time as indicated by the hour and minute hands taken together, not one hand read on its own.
10:54
